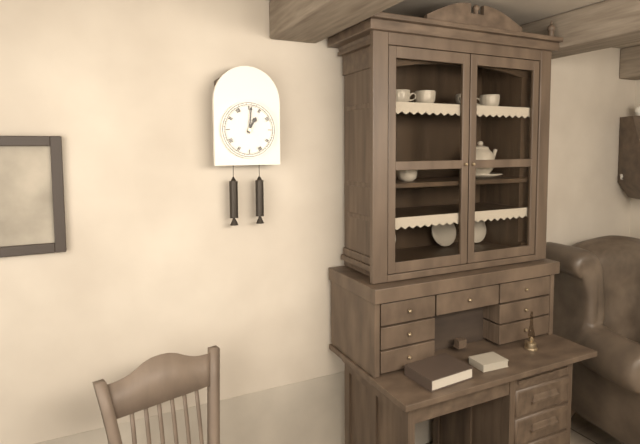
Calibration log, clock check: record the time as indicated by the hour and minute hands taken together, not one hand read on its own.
1:01
